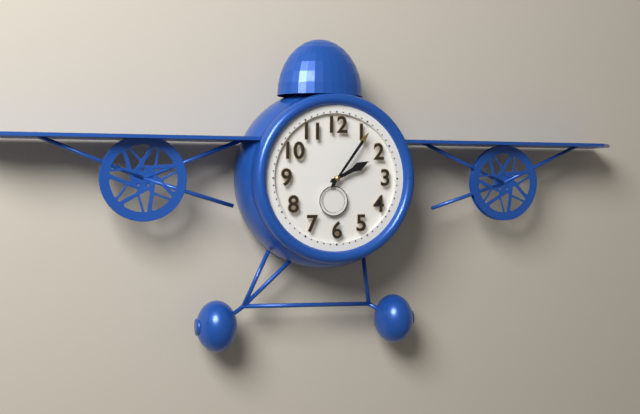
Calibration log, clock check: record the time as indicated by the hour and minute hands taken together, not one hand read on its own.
2:06
